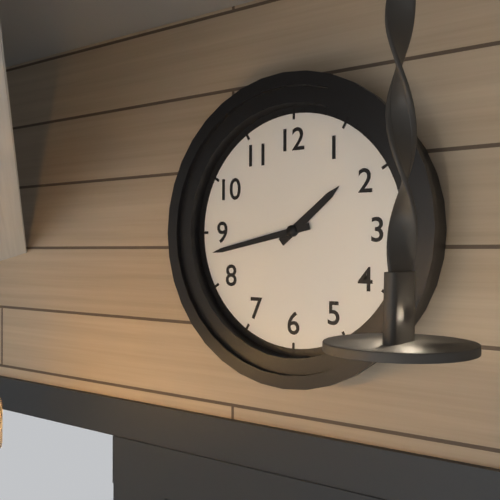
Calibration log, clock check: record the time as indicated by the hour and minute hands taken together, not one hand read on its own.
1:43
